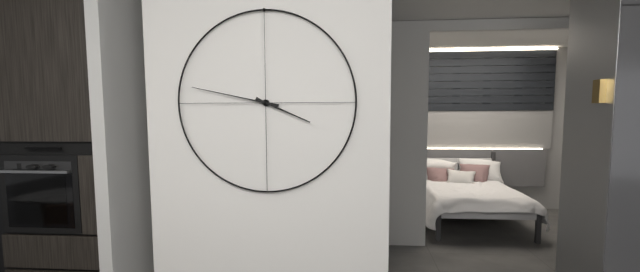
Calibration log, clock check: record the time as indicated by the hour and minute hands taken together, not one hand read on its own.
3:47
